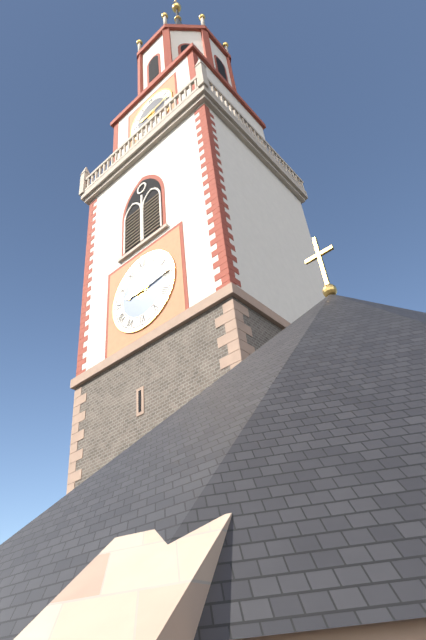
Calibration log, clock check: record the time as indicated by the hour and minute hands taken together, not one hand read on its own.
9:14
